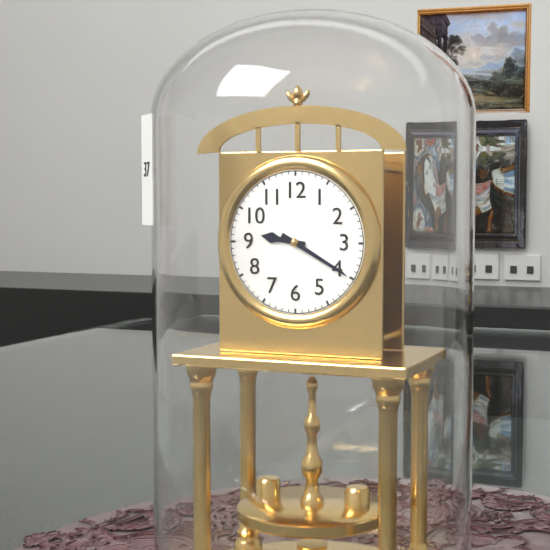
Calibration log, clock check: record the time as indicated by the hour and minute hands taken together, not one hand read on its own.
9:20
